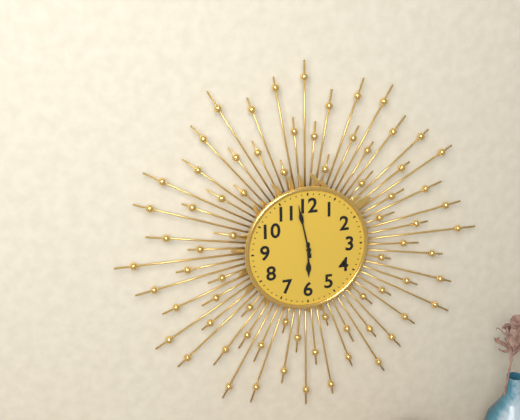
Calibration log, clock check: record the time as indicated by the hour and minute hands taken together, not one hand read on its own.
5:58
